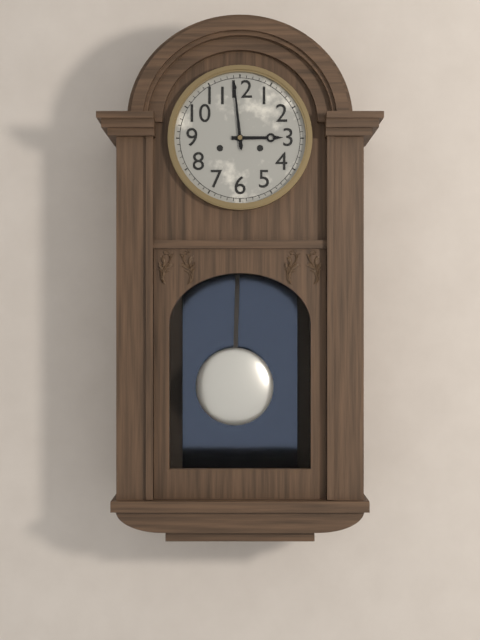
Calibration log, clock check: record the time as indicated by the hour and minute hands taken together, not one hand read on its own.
2:59
